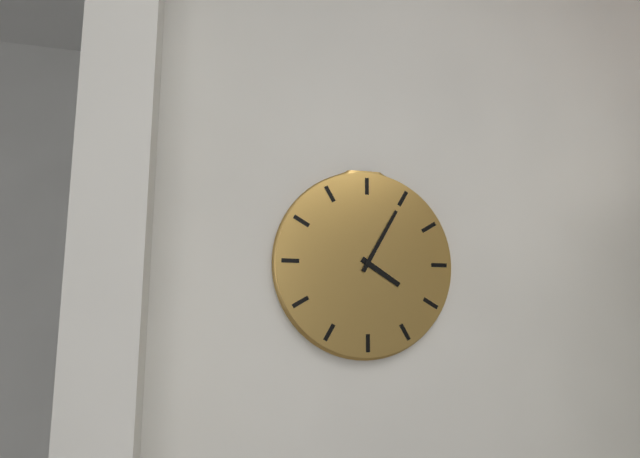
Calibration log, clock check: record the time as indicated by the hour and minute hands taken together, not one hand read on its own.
4:05
